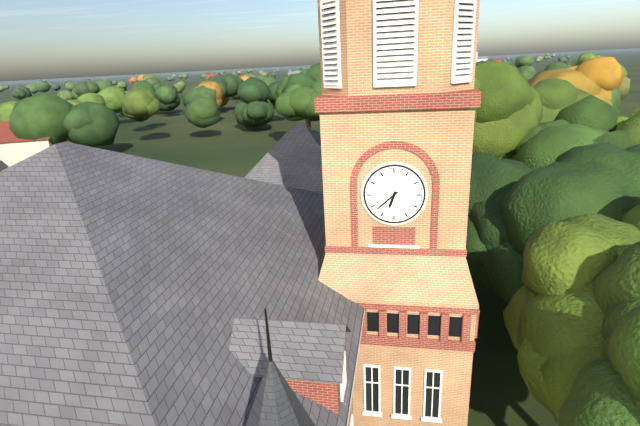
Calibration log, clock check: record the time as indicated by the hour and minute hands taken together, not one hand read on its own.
6:38
